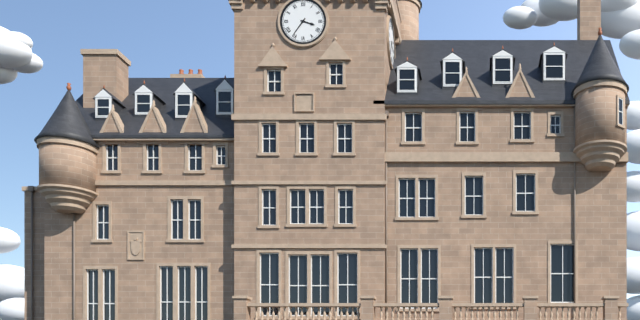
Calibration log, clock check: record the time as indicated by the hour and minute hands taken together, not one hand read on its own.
3:36
